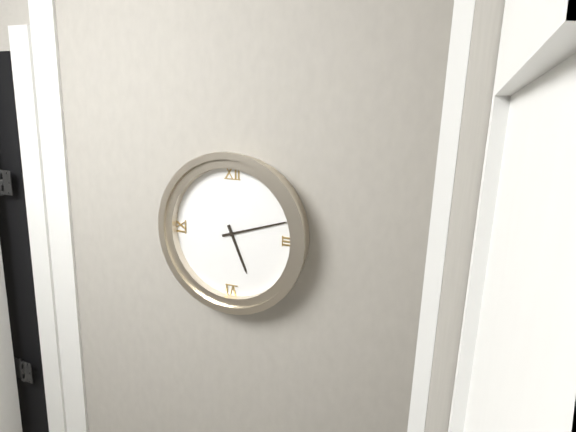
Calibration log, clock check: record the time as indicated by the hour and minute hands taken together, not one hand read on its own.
5:12
